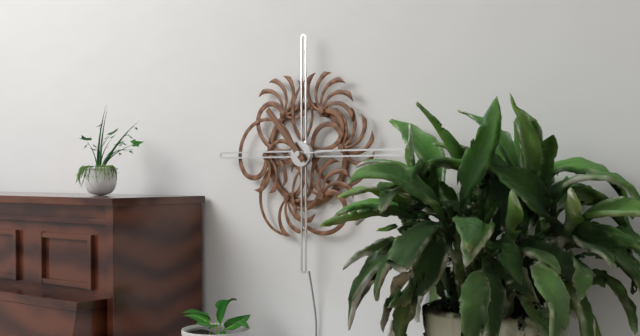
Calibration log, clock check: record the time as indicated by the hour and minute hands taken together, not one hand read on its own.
2:53
